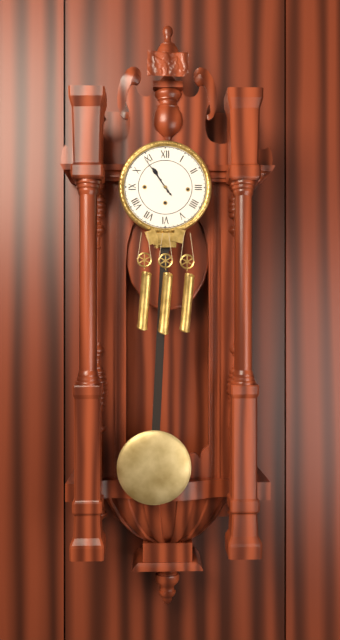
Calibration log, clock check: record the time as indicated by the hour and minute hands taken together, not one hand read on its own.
10:54
